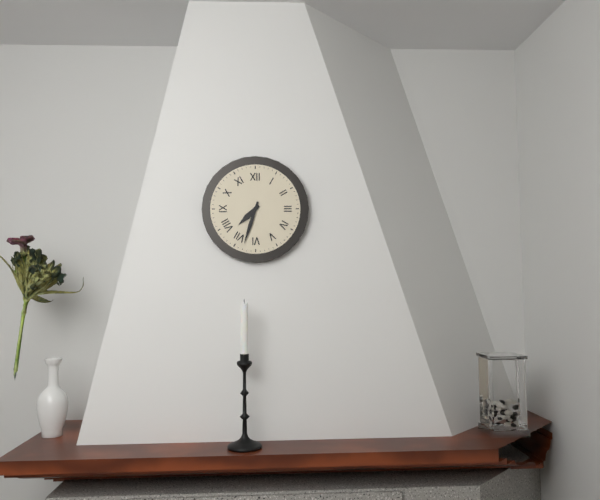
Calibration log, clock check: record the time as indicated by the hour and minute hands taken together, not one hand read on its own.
7:33
